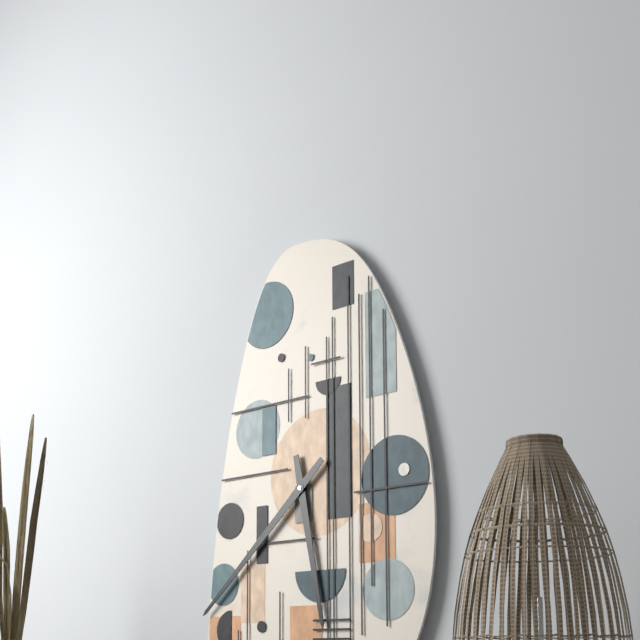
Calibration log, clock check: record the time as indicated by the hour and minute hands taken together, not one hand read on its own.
5:38
